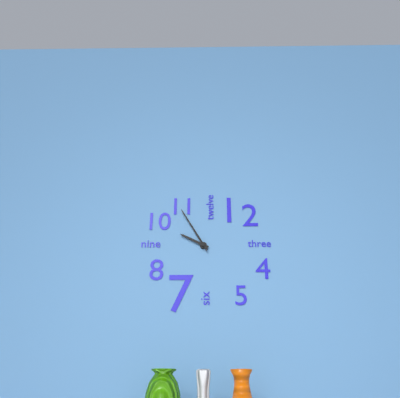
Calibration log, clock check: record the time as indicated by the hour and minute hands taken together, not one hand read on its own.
9:55
